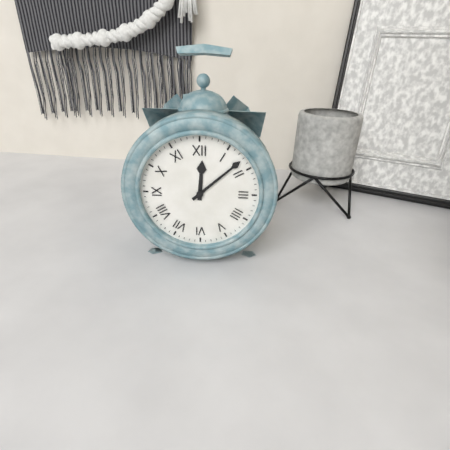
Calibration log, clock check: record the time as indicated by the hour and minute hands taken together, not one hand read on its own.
12:08
